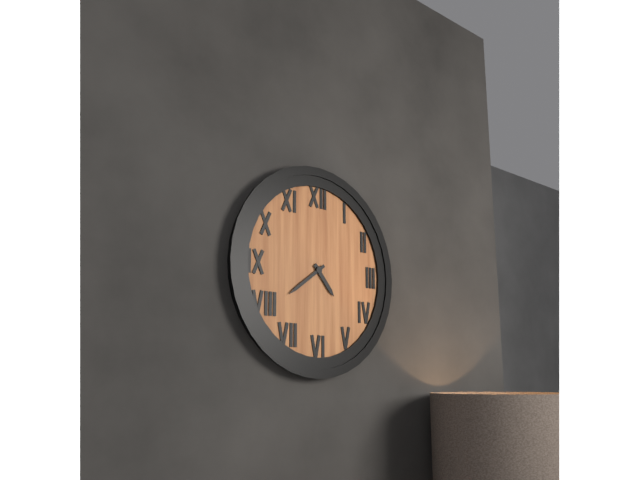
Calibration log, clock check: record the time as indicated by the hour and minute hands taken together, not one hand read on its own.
4:39
